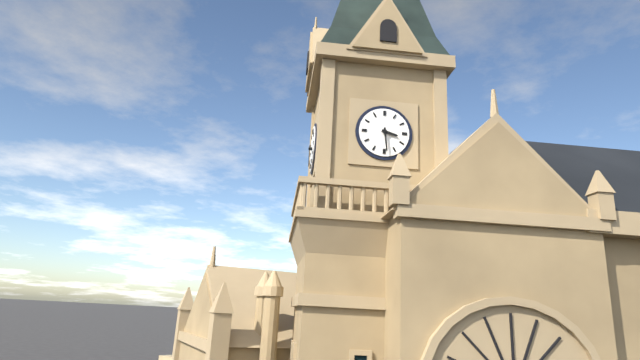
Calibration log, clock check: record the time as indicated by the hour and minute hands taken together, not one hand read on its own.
3:29
